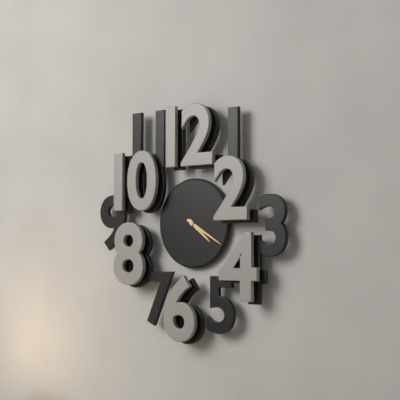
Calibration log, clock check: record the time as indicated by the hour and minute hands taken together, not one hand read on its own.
4:20
